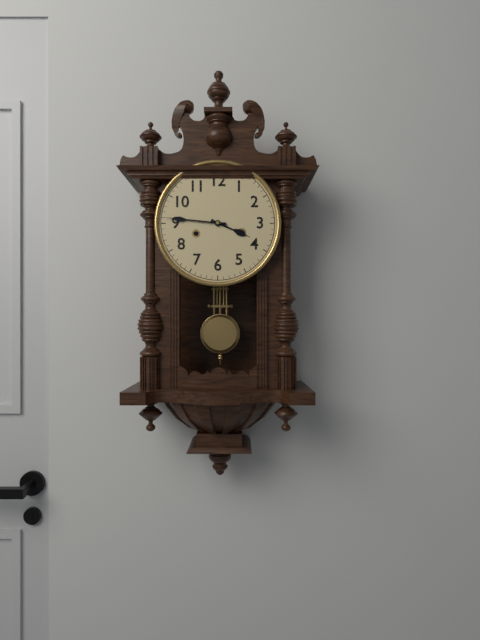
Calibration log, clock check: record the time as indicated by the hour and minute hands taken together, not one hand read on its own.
3:46
